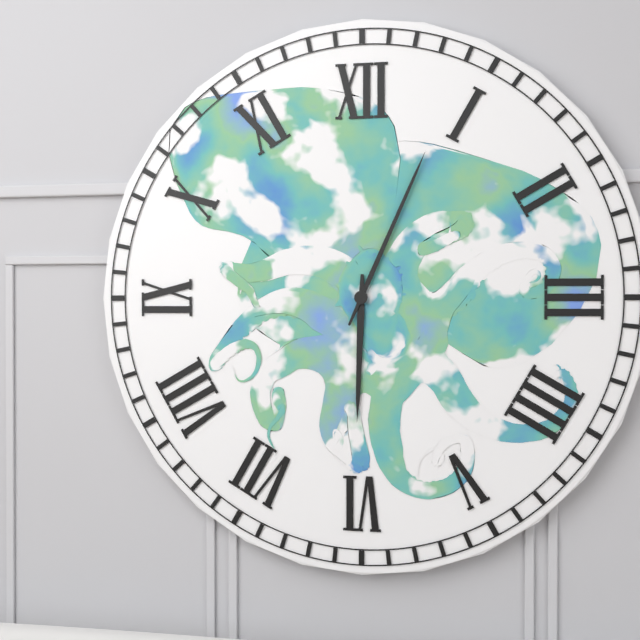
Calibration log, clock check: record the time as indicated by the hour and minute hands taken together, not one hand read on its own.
6:04
